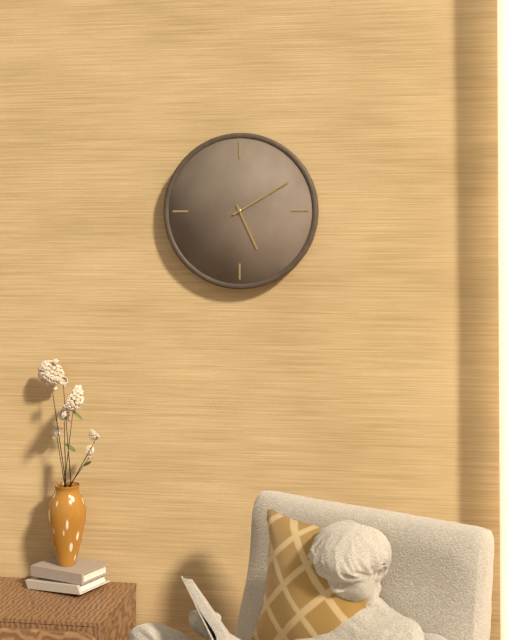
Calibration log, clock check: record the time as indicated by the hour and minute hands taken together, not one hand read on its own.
5:10
